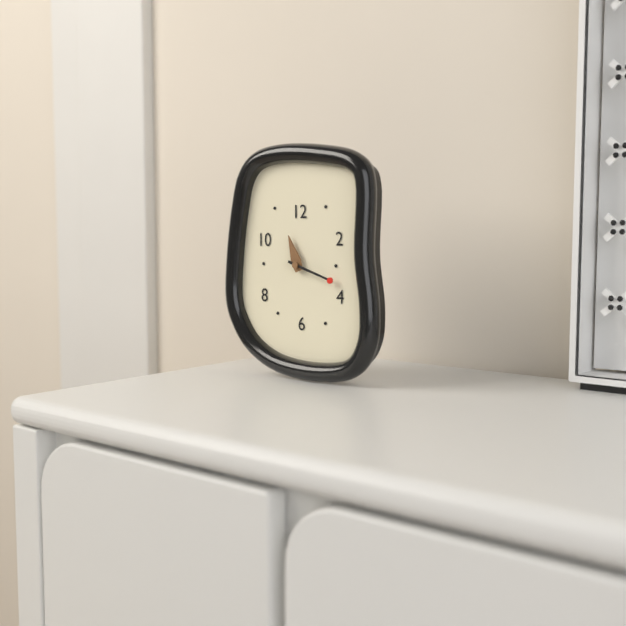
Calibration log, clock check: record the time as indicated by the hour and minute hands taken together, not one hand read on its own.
11:18
